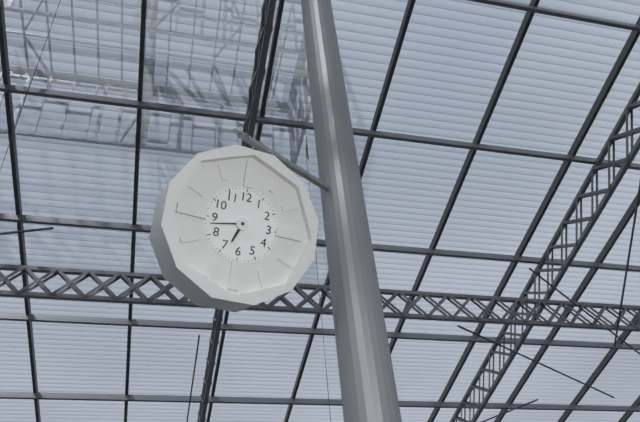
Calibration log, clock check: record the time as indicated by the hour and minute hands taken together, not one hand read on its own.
6:43
